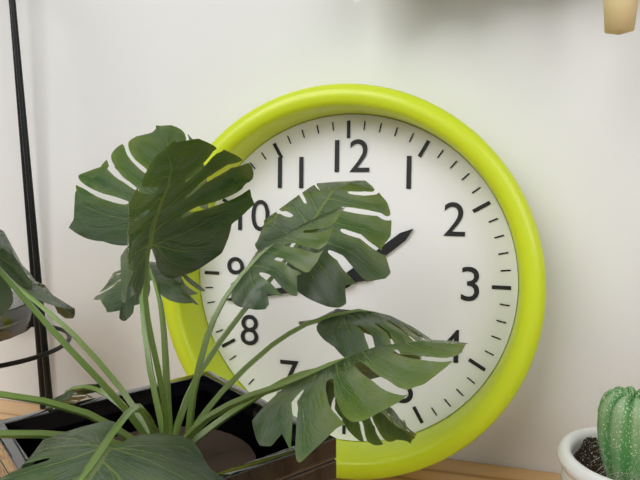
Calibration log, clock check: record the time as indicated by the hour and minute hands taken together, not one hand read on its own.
1:43
